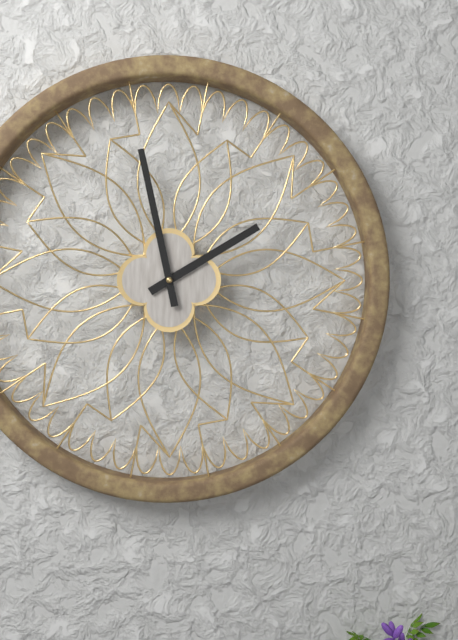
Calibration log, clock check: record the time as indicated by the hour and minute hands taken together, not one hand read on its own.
1:58
